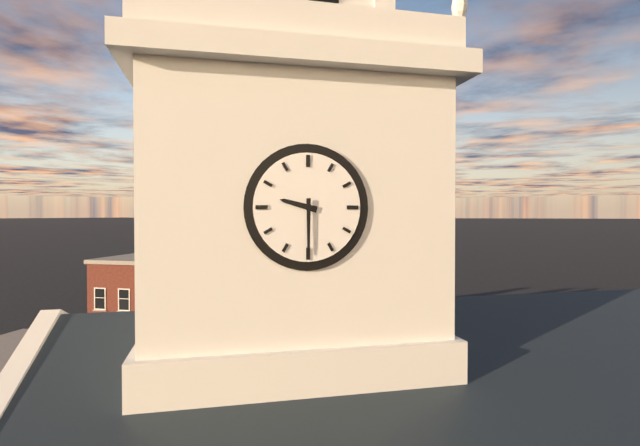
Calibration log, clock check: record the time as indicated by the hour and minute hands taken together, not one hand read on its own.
9:30
